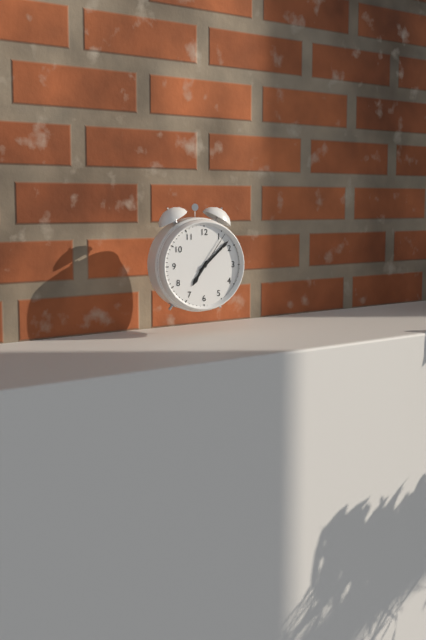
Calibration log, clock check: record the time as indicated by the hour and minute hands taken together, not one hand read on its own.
7:08
